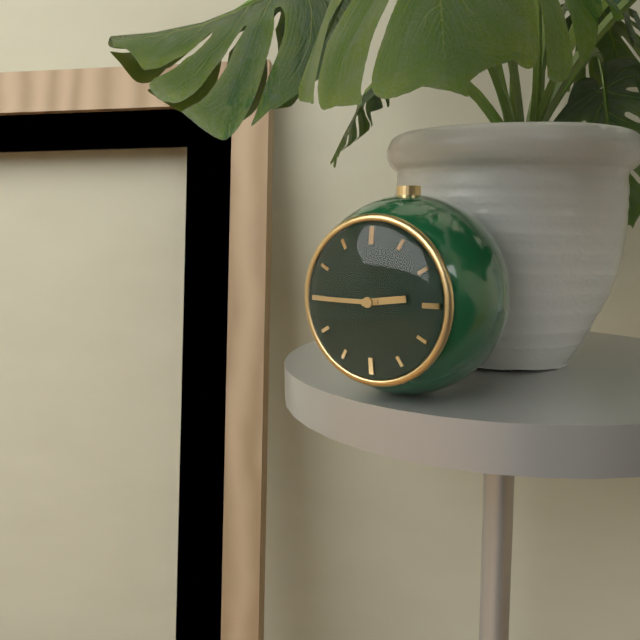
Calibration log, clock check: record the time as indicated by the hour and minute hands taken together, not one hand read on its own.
2:45
